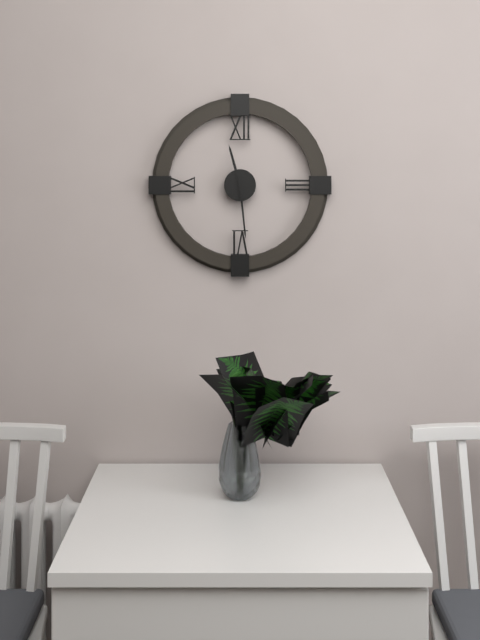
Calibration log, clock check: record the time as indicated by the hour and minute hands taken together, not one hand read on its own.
11:29
